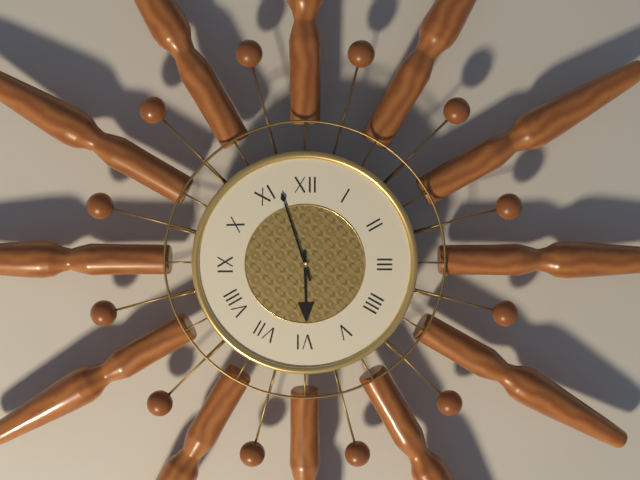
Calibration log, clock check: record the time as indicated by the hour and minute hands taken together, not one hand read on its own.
5:57
